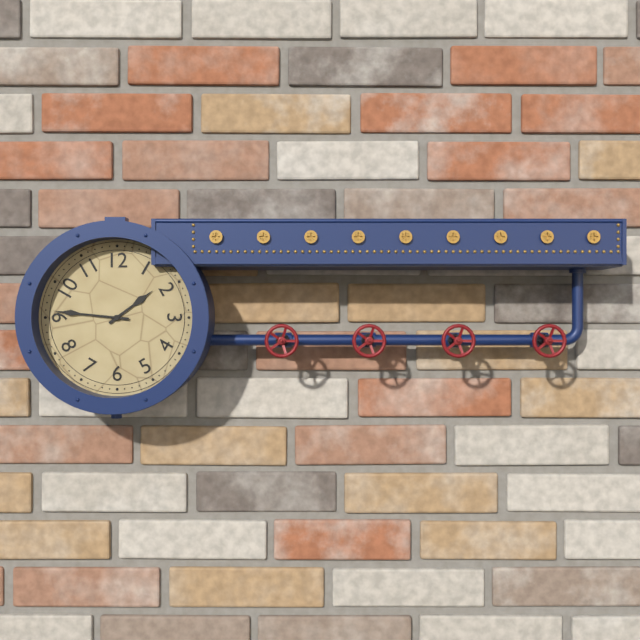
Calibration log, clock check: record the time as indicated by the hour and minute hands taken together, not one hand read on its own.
1:46
